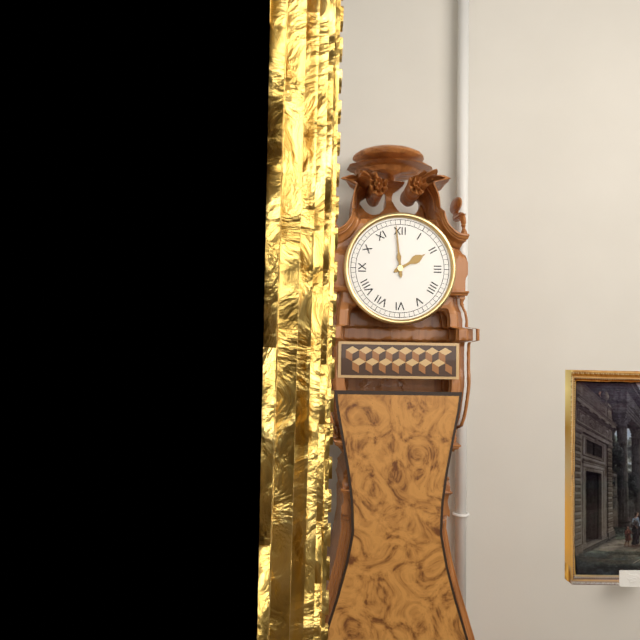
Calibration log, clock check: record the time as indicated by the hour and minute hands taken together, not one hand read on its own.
1:59
